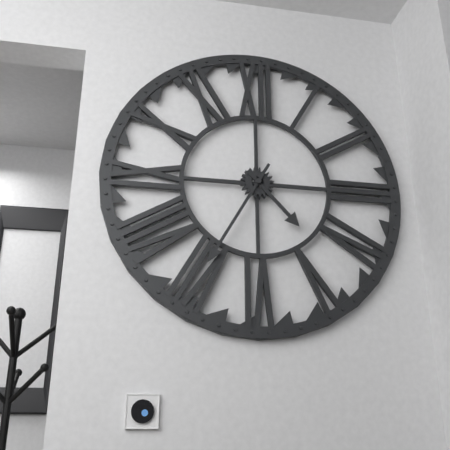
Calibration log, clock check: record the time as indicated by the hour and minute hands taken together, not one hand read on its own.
4:35
